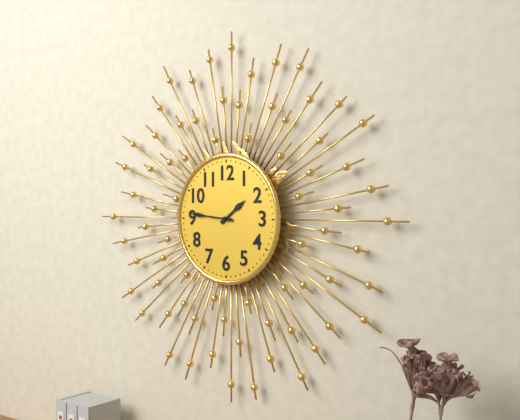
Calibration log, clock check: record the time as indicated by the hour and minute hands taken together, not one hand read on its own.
1:46
